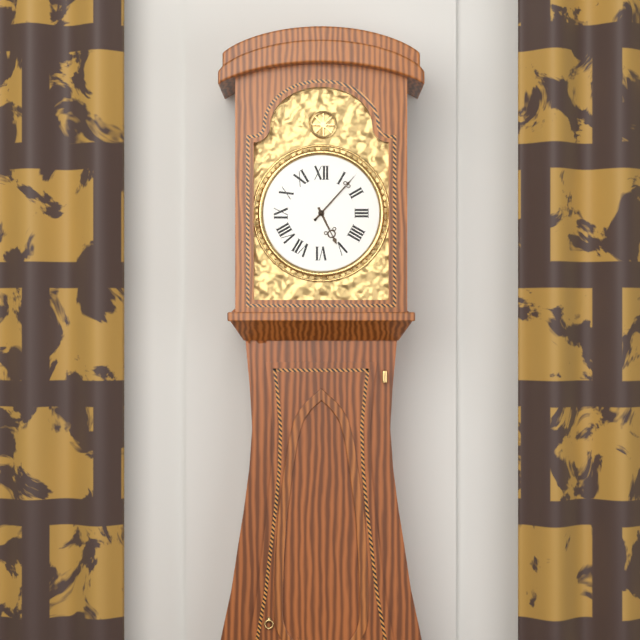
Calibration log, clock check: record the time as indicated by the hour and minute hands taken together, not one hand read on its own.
5:07
